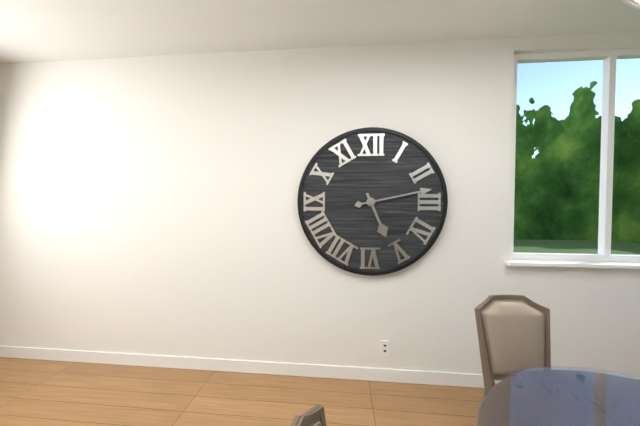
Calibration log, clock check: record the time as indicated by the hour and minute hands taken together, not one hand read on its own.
5:13
